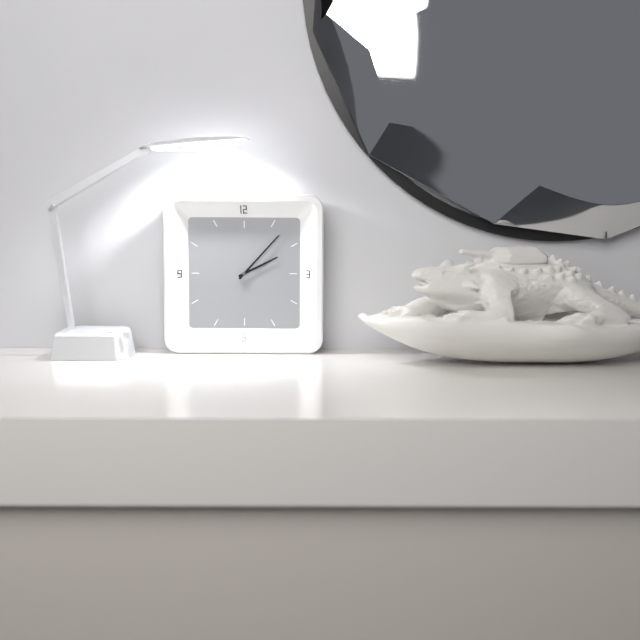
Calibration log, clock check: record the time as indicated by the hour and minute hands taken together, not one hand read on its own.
2:07
